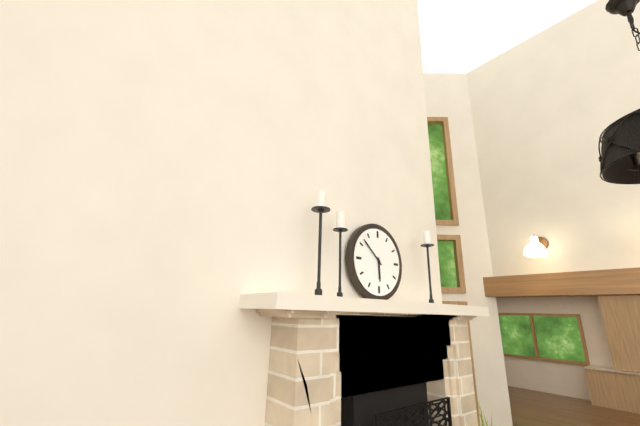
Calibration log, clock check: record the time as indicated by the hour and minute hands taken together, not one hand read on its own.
5:52
